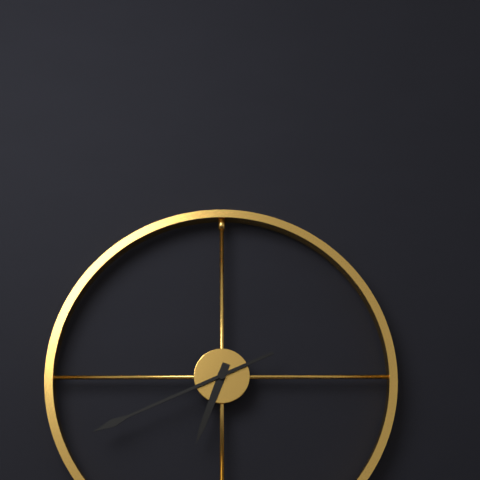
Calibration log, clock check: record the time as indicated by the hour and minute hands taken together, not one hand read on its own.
6:41
